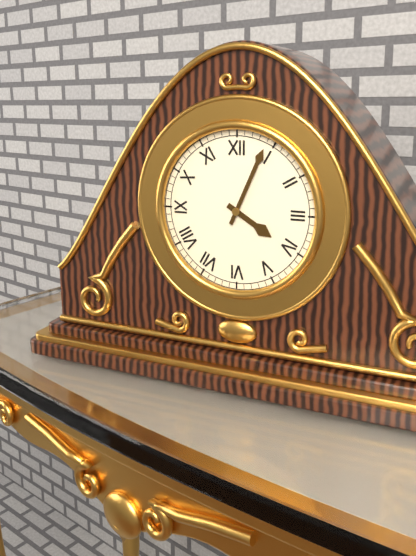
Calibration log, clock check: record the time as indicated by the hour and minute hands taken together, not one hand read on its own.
4:04
